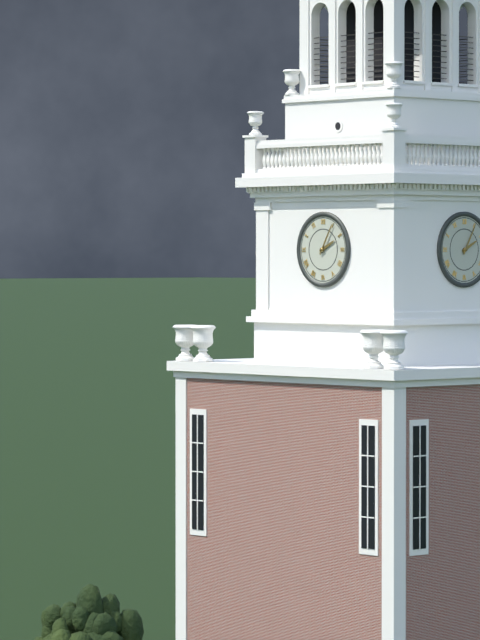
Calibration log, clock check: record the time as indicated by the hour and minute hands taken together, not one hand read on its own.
2:05
